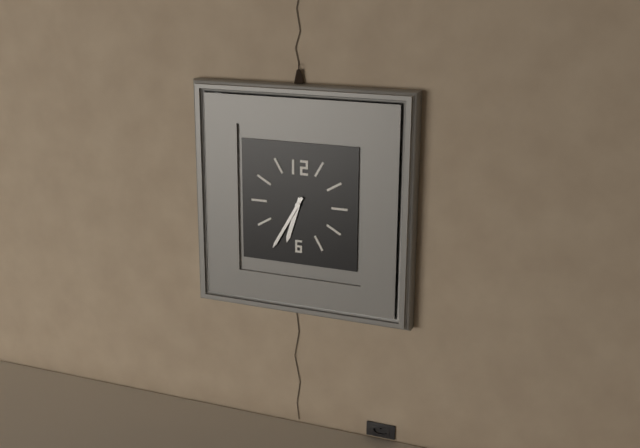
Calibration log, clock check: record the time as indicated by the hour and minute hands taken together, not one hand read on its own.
6:35
